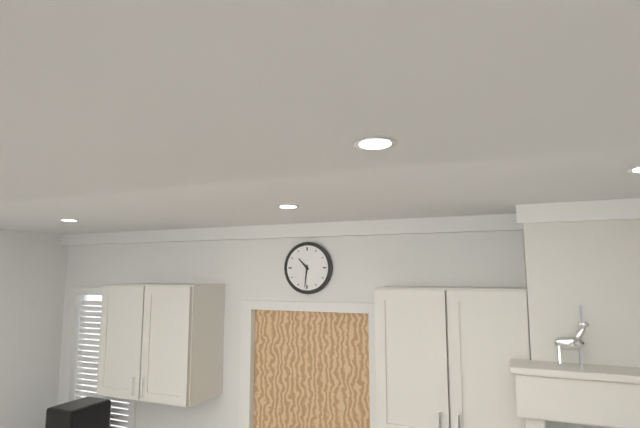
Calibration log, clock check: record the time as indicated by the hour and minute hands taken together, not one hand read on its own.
10:31
